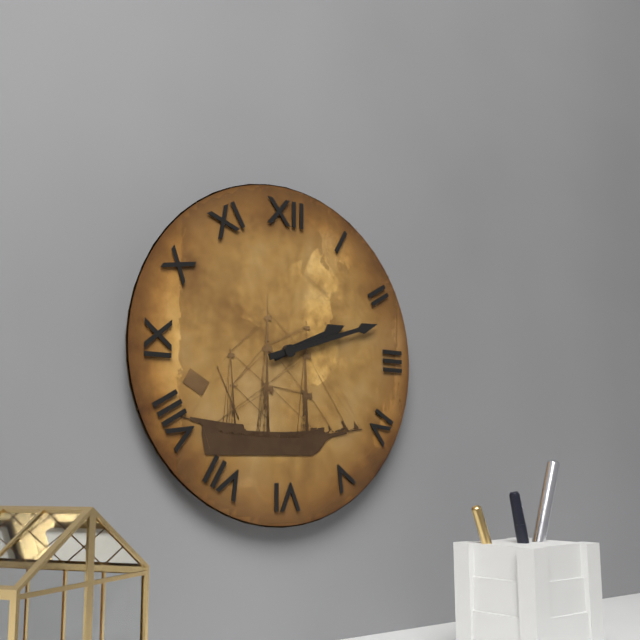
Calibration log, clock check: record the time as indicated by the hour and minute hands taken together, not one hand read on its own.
2:12
